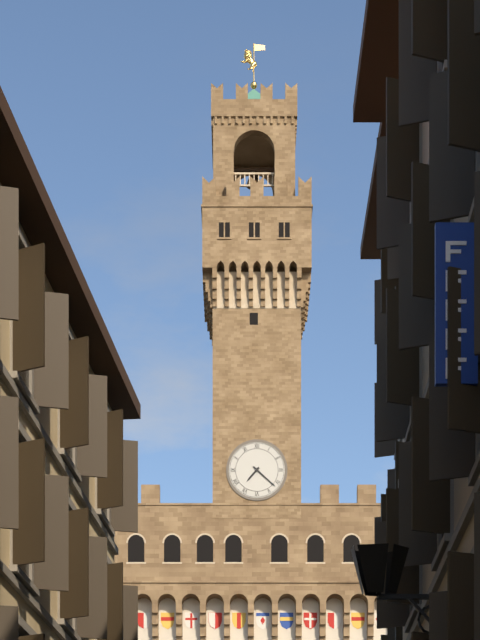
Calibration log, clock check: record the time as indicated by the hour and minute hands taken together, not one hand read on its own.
7:22
